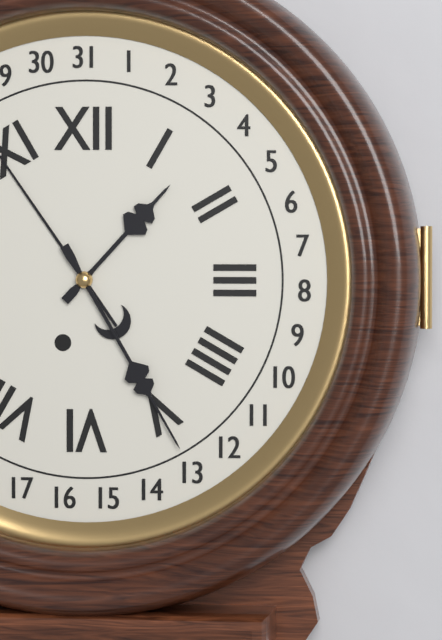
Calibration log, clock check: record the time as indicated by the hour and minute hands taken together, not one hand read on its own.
1:25
